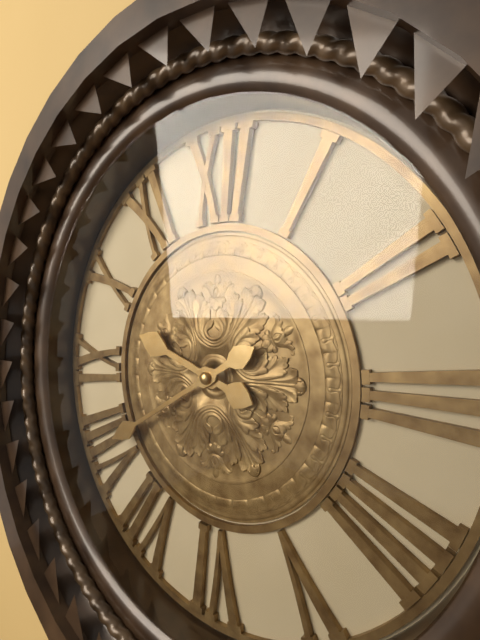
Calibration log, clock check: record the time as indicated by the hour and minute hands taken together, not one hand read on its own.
9:40
